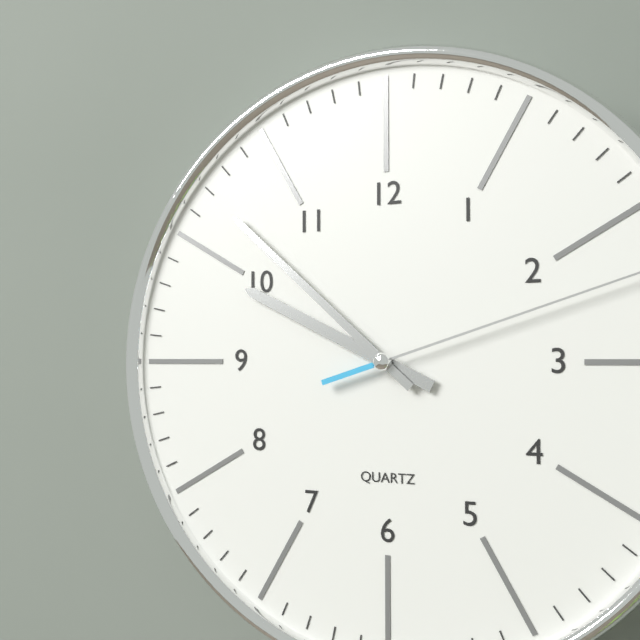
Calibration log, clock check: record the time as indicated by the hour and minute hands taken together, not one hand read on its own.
9:52
